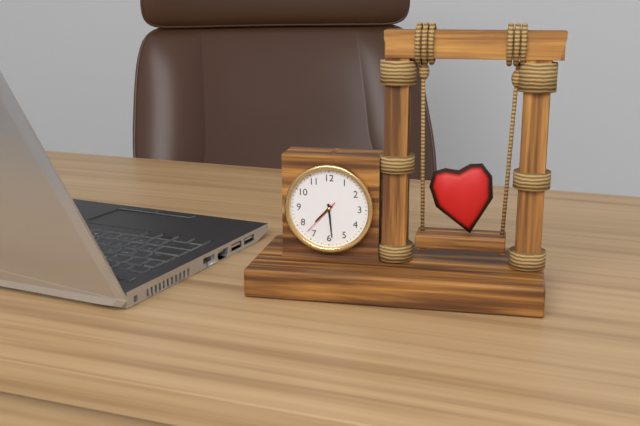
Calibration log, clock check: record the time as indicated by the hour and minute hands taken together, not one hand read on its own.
7:29
